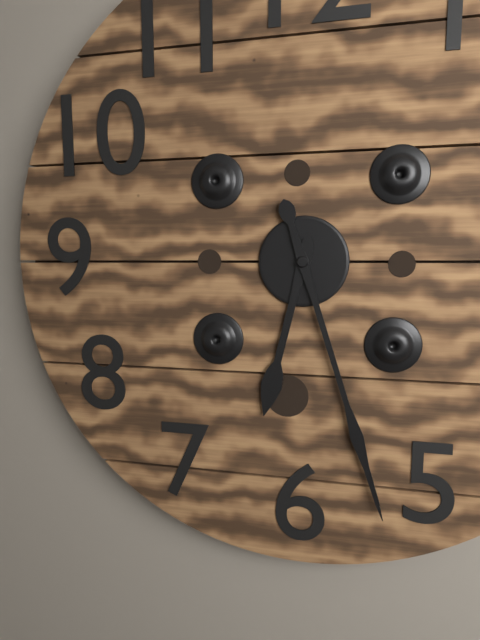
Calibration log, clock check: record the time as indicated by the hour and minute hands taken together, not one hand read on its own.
6:27
